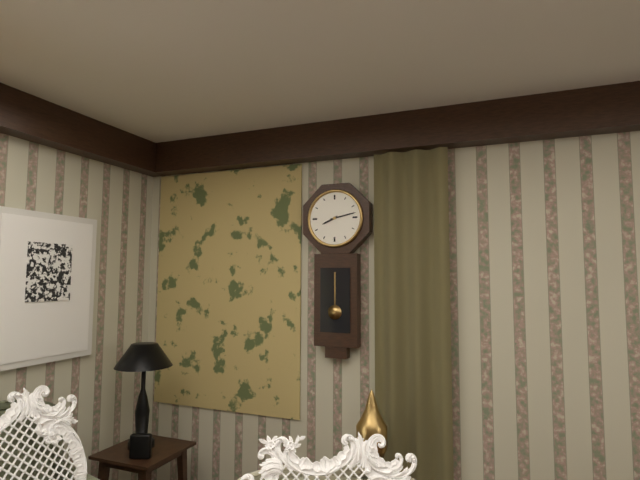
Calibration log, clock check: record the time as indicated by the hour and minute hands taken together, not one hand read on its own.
8:13
